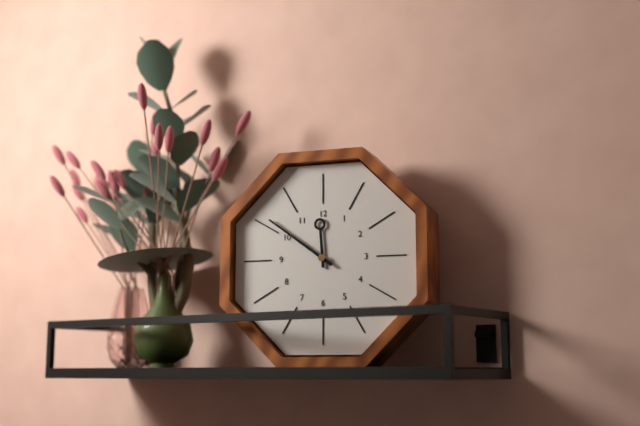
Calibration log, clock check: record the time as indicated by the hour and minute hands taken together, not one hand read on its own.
11:51
